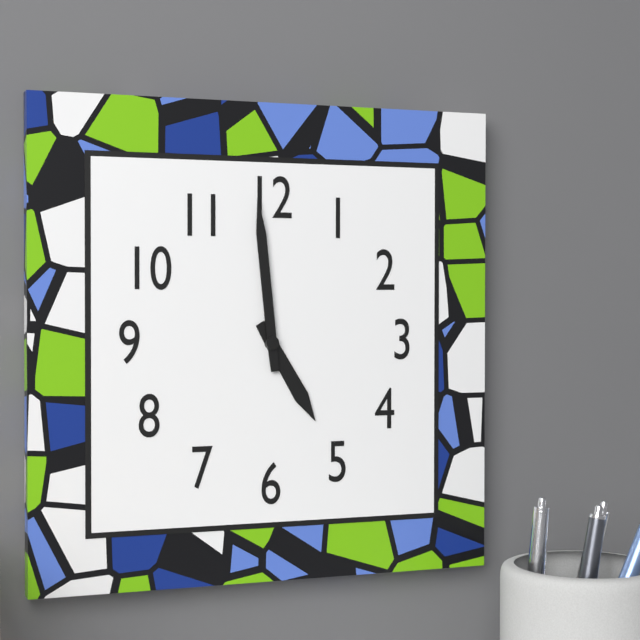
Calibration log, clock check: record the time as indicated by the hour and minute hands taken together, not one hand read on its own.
4:59
